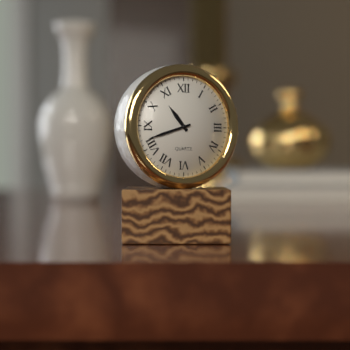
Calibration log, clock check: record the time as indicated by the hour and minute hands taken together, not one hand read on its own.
10:42
